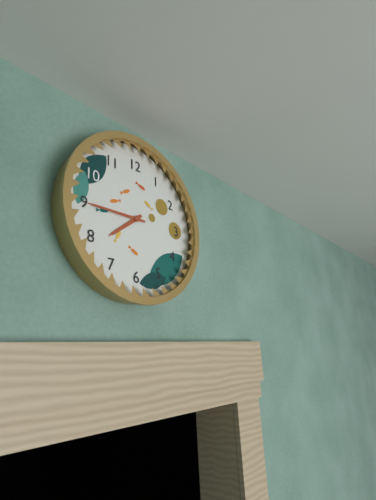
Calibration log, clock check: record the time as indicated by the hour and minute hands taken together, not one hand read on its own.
7:45
